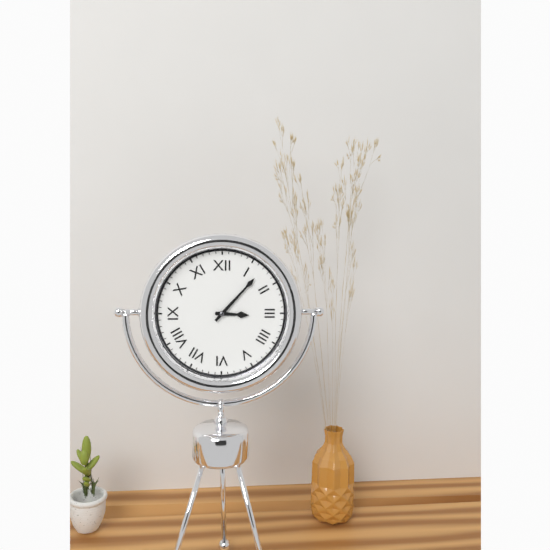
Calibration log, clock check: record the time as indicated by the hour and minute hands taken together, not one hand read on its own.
3:07
